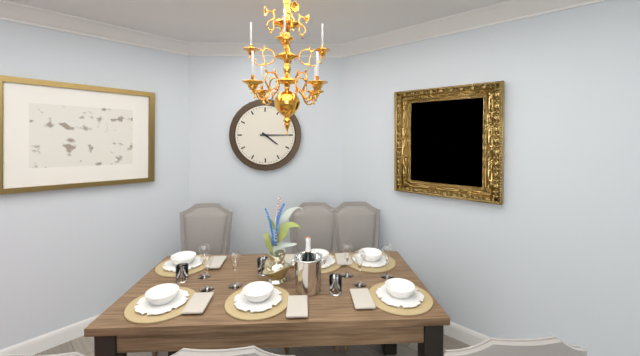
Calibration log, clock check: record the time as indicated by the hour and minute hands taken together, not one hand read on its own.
4:15
